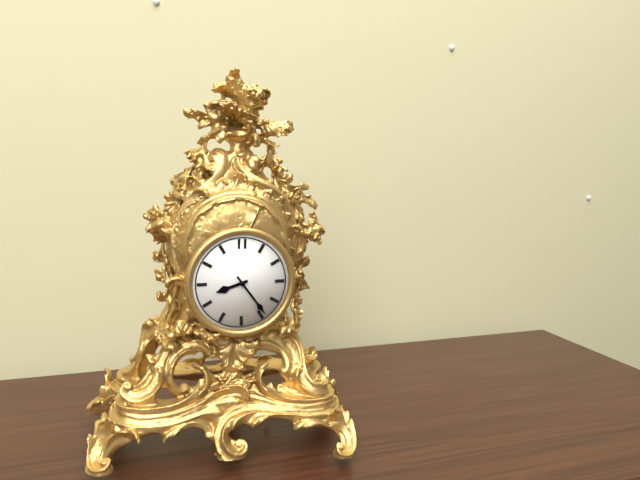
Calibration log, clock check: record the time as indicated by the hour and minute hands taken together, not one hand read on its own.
8:24
